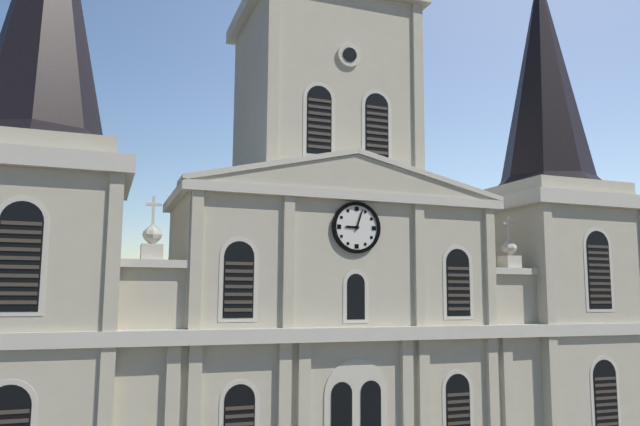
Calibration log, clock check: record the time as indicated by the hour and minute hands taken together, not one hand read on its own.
9:03
